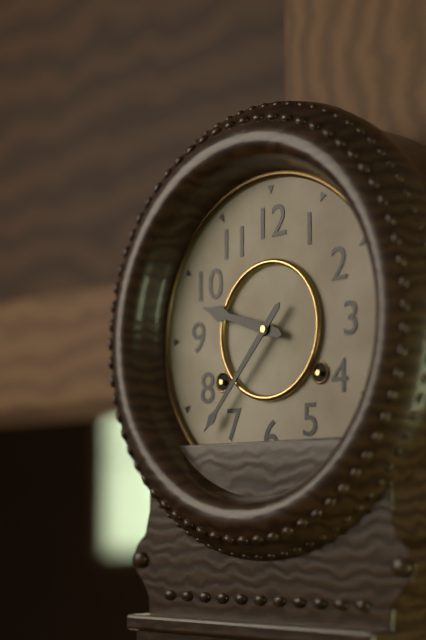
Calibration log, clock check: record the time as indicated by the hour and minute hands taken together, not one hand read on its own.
9:37
